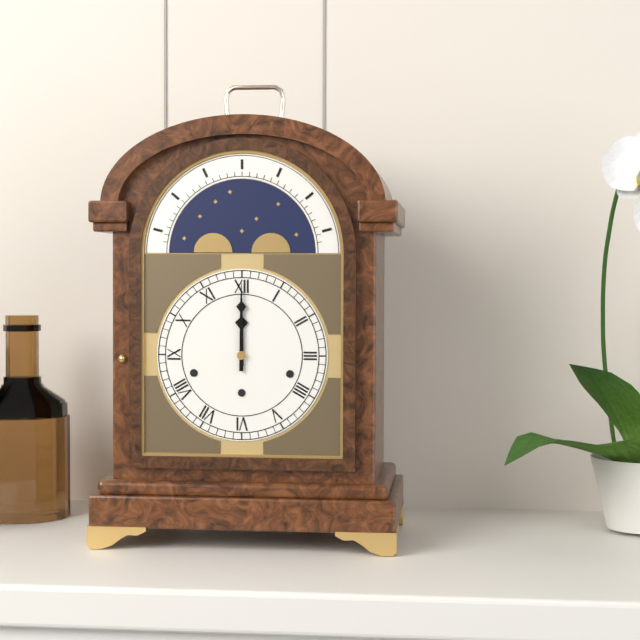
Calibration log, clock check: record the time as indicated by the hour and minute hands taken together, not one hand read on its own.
12:00
